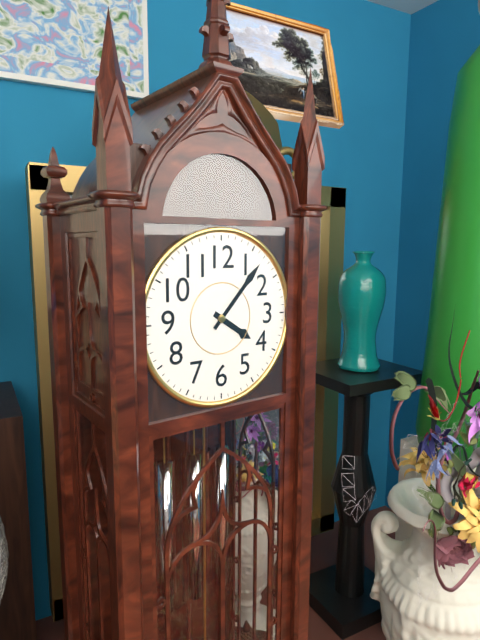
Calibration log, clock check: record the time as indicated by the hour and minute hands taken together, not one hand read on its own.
4:07
